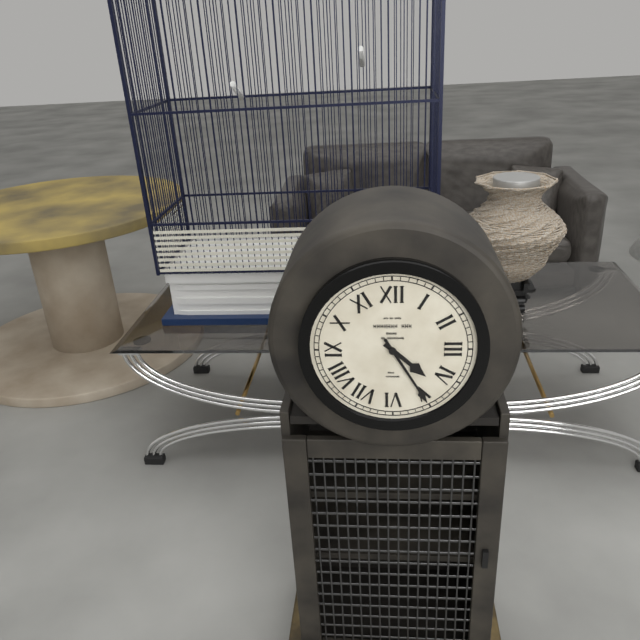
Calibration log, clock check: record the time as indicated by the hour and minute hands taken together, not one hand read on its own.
4:25
